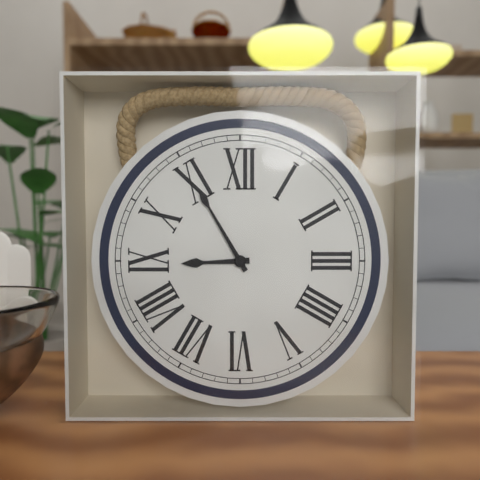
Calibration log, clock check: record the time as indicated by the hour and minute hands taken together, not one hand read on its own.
8:55
